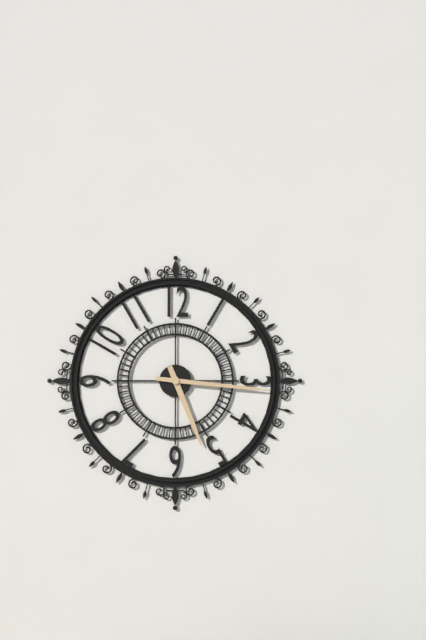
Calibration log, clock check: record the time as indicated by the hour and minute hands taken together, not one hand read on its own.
5:16
